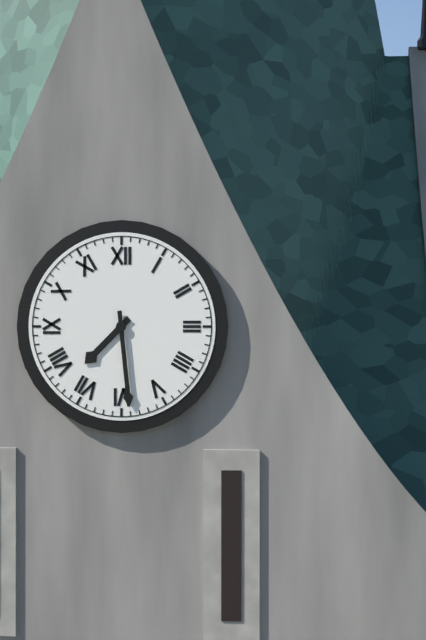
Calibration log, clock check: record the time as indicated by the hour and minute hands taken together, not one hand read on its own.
7:29
